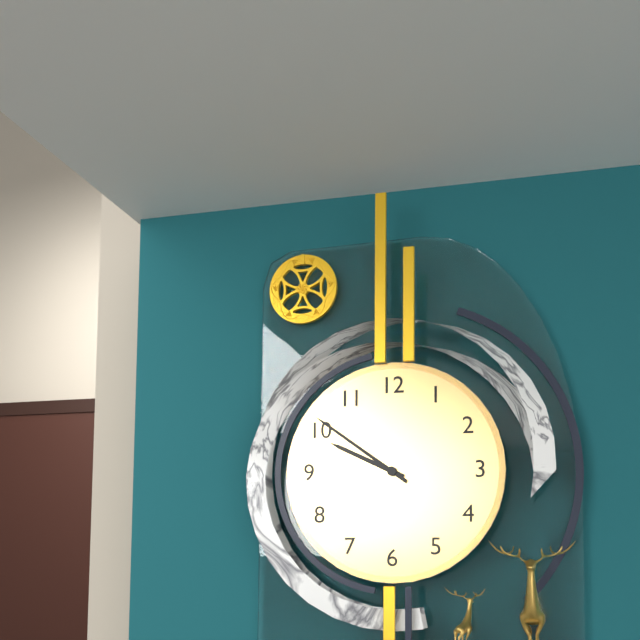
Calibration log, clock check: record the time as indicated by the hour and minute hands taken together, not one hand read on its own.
9:51
